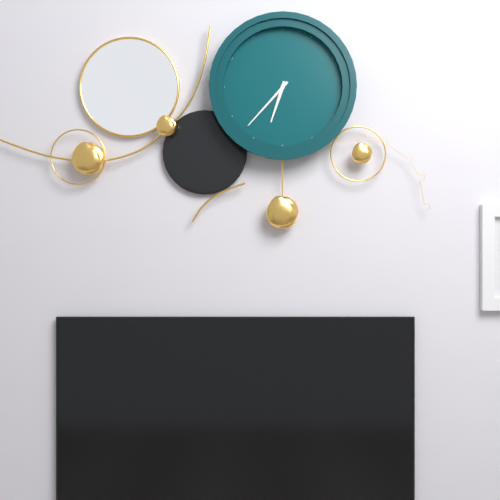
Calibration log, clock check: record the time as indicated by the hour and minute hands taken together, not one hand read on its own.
6:37
